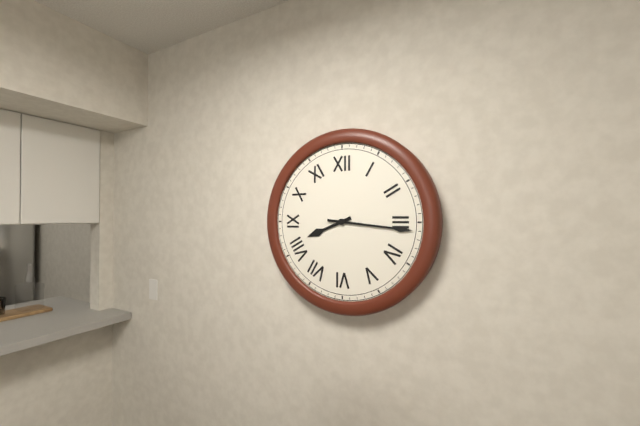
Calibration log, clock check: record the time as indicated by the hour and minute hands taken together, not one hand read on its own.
8:16
